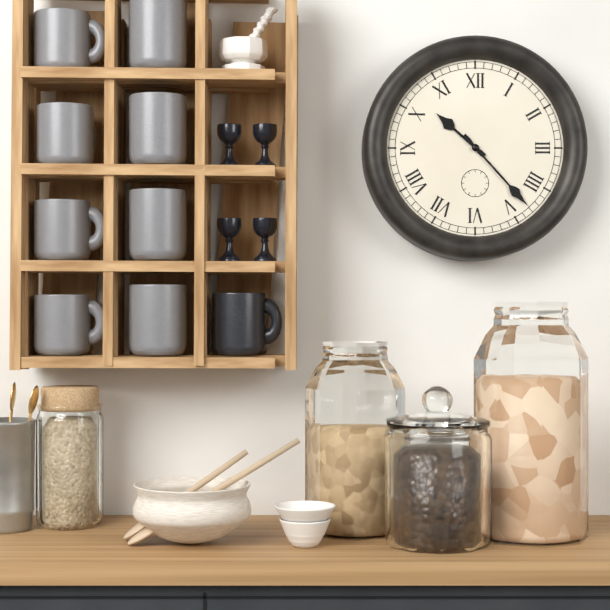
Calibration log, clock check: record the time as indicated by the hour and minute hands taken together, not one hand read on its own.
10:23
